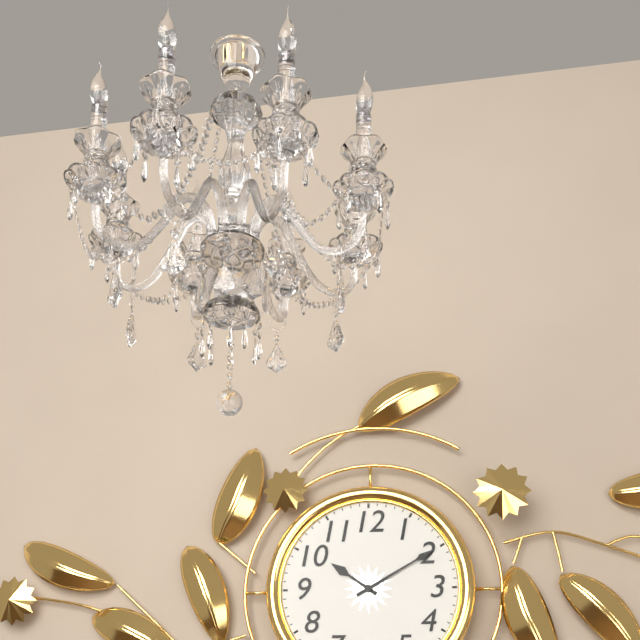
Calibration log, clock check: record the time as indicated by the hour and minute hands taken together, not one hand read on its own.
10:10
